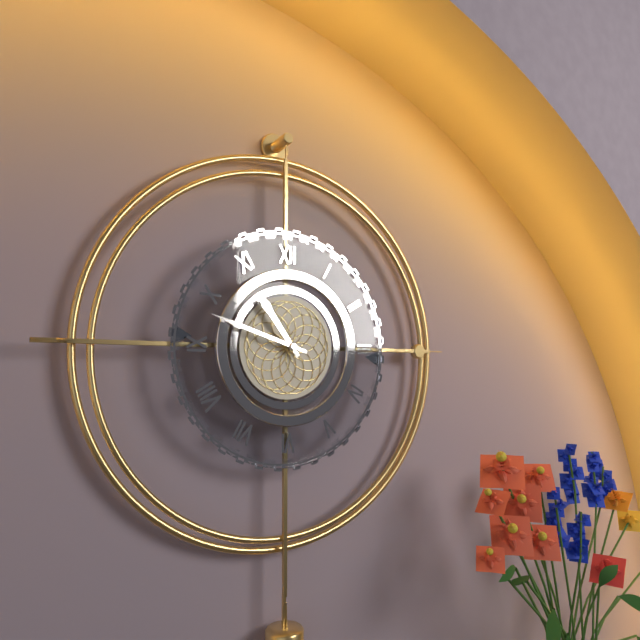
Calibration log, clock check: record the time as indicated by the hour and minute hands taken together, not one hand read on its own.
10:48
